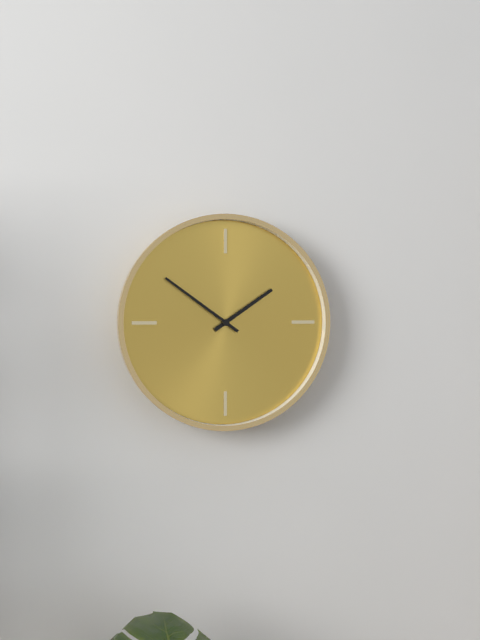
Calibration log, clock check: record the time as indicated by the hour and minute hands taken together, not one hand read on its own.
1:51
